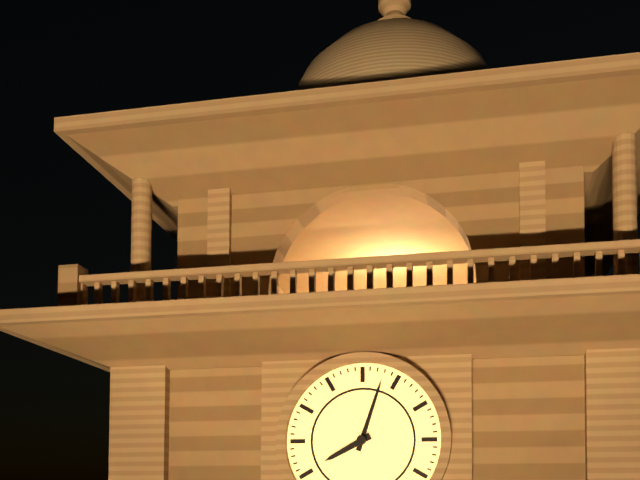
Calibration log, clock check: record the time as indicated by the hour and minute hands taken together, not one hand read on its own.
8:03
